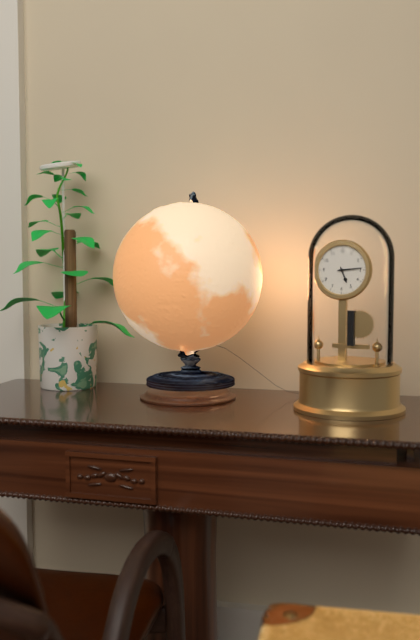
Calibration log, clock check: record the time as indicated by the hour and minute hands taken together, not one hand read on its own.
5:14
